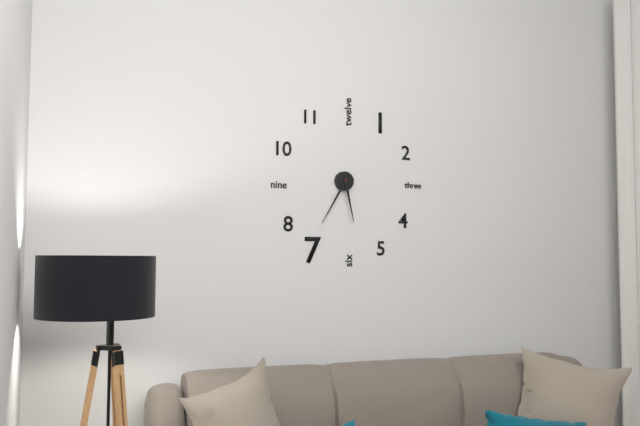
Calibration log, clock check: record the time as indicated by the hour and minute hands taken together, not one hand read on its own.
5:35
